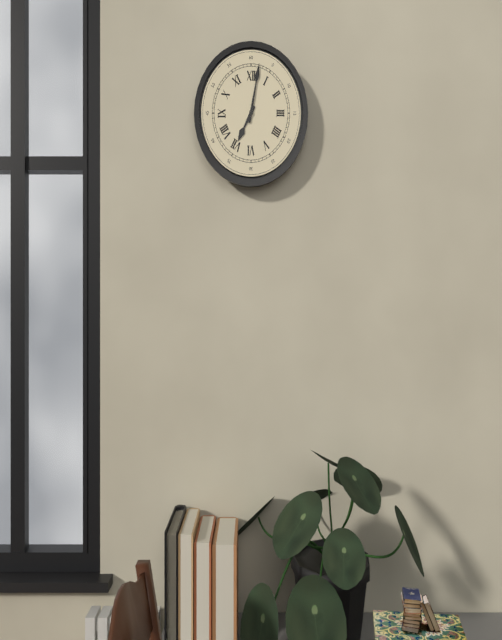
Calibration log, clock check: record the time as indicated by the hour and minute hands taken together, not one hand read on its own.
7:02
